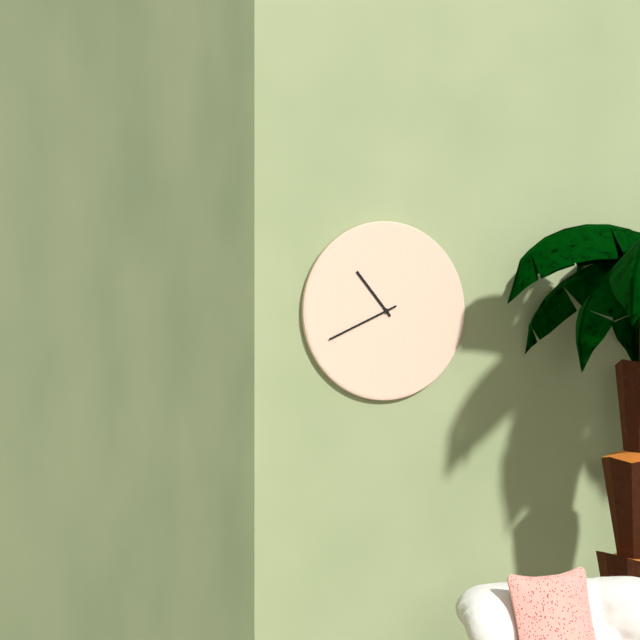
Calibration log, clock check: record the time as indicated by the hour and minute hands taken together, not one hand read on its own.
10:41
